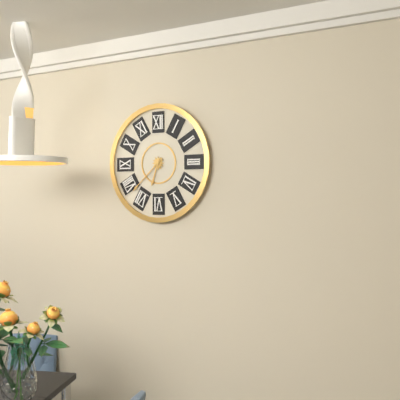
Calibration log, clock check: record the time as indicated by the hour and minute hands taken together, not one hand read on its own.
6:38
